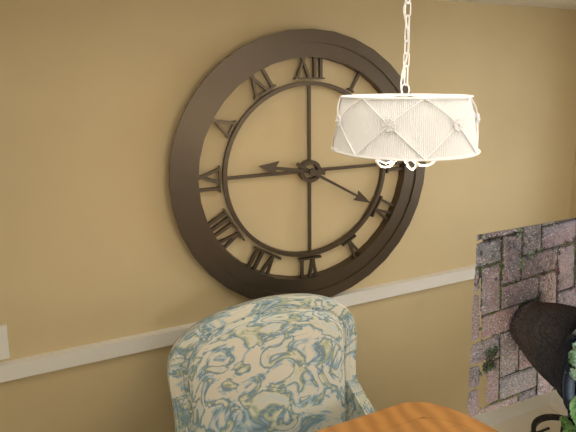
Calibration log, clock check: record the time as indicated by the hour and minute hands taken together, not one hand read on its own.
9:20
